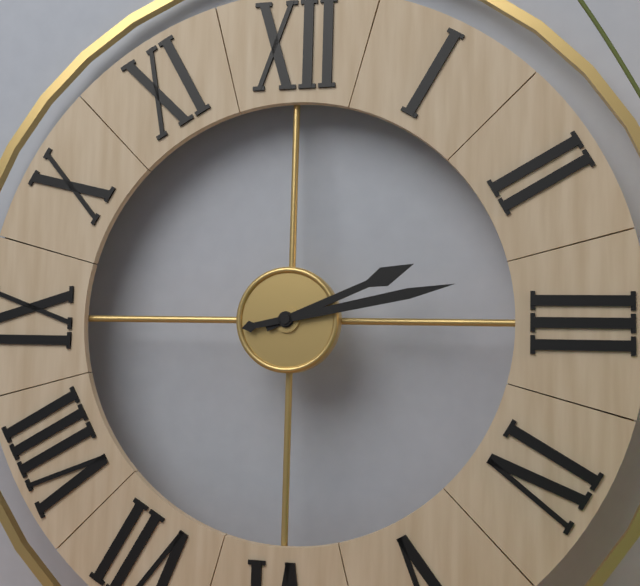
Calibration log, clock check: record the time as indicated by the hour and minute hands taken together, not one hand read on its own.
2:13
